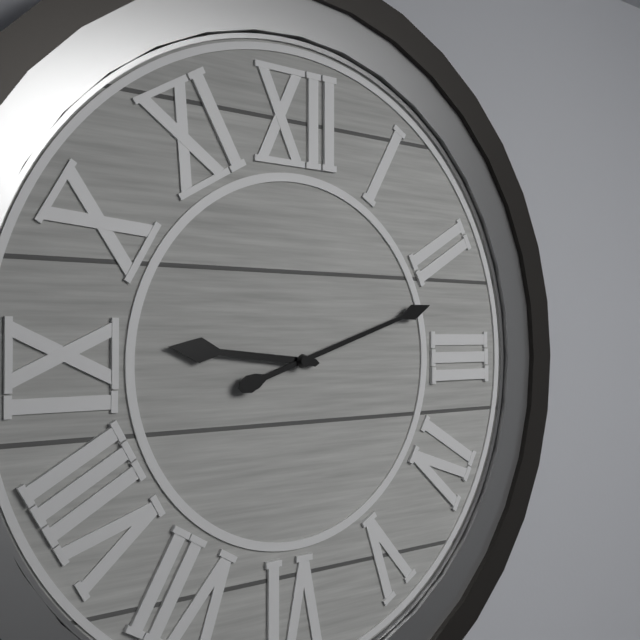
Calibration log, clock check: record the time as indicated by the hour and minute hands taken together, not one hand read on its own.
9:12
